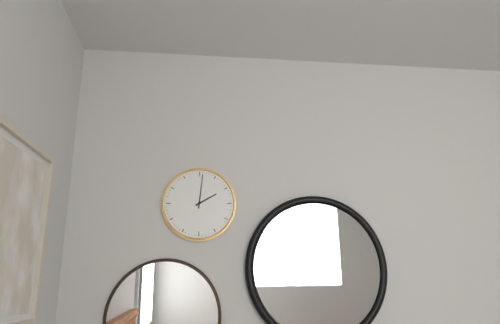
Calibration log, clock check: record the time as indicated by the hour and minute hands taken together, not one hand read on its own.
2:01
